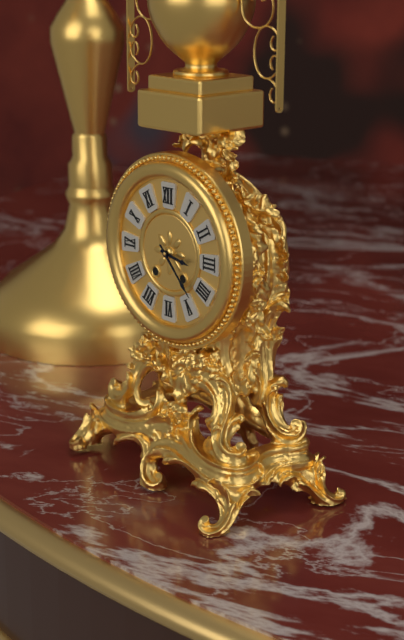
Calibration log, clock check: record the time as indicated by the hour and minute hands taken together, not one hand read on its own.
3:23
